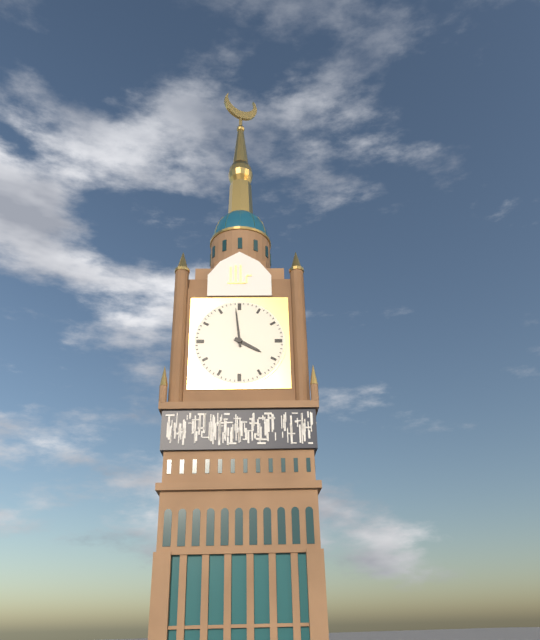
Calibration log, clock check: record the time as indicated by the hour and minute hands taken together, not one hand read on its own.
3:59
